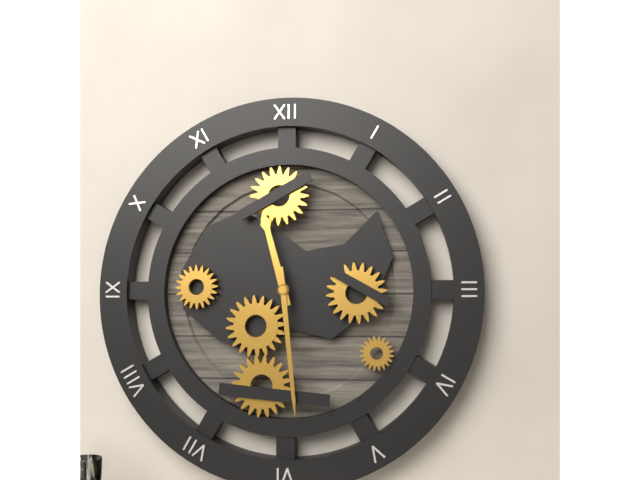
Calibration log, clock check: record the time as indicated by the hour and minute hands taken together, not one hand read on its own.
11:29
